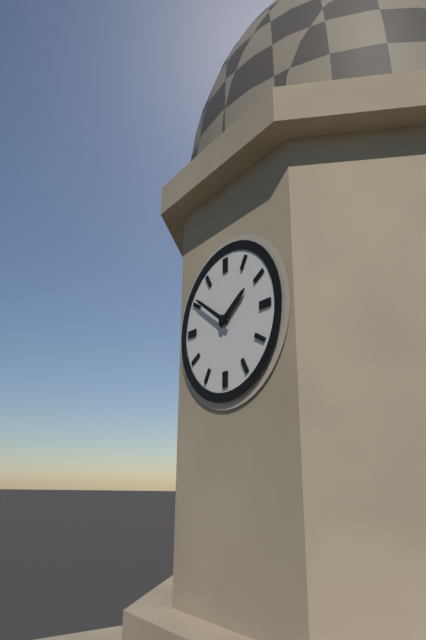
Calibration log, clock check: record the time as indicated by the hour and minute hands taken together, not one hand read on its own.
1:51
